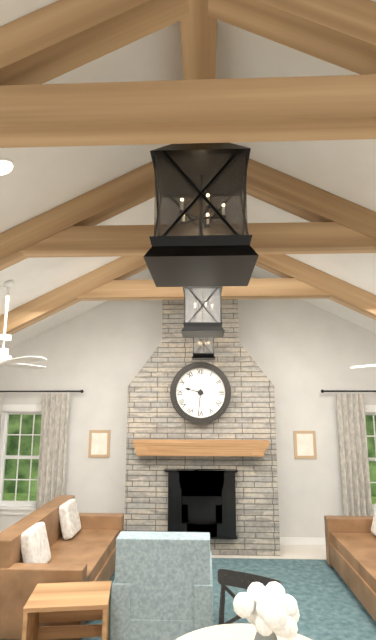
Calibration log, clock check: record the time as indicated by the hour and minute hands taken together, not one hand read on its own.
9:31
